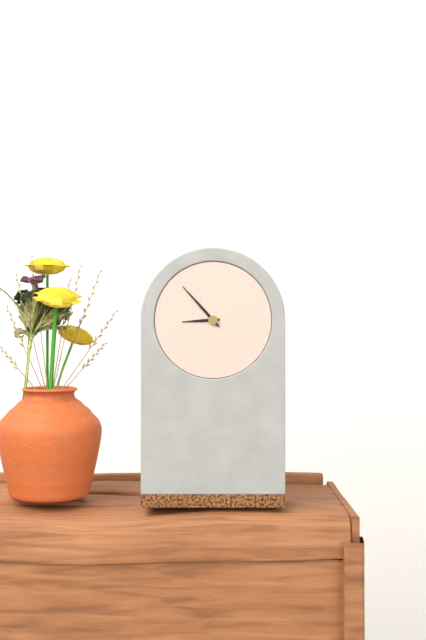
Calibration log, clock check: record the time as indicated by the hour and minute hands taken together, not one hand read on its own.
8:53
